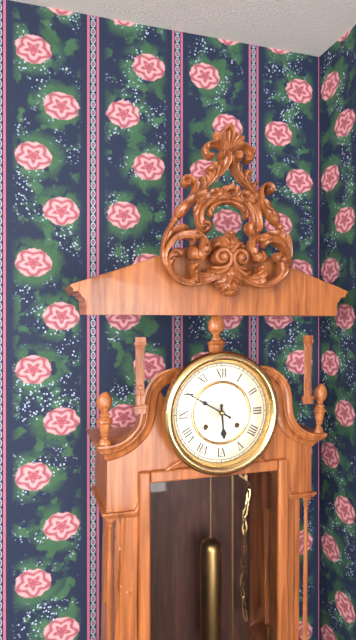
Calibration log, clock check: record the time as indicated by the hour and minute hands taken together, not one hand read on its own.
5:50
